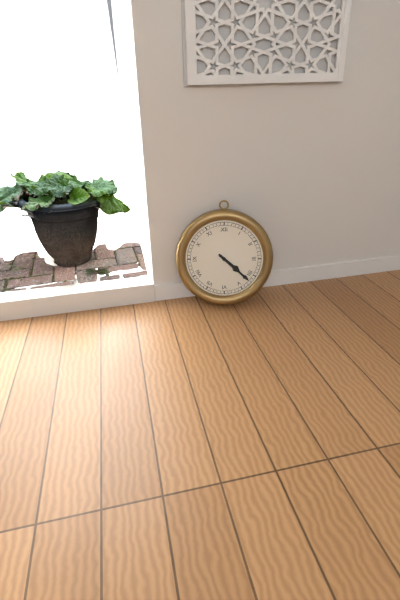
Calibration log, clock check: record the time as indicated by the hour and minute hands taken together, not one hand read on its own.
4:22
